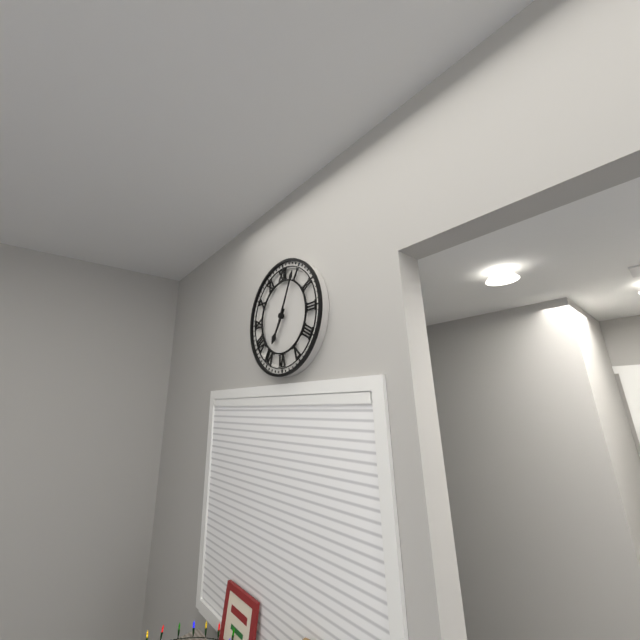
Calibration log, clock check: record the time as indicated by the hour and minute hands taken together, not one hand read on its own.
7:04
